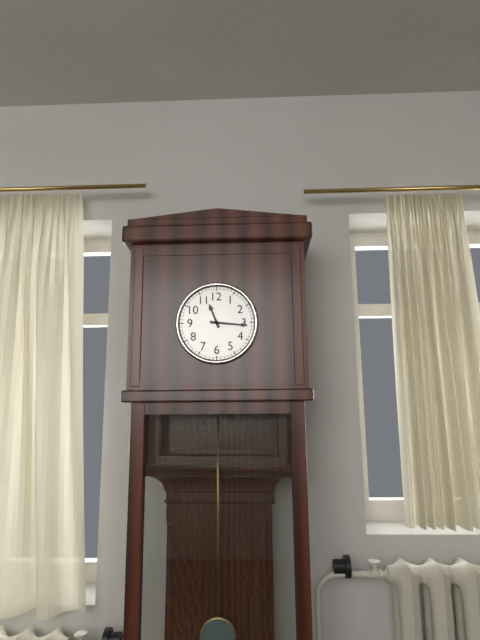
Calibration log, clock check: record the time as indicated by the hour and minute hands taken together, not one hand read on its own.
11:16
